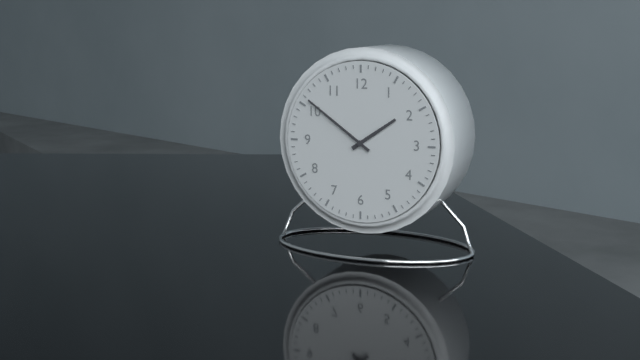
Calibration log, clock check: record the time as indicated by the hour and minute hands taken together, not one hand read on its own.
1:51
